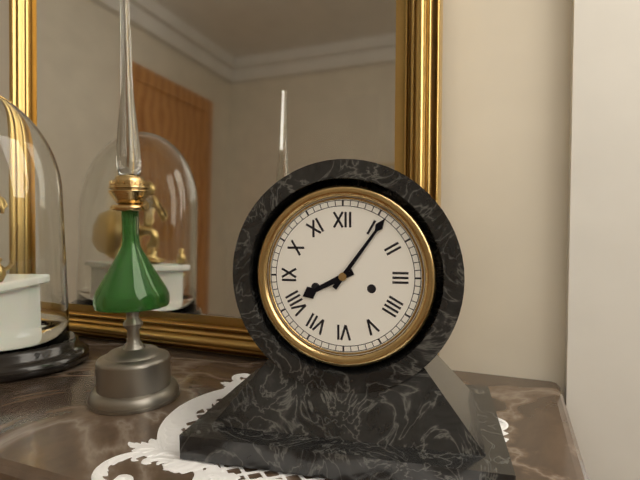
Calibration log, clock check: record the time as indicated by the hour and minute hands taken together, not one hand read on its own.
8:06
